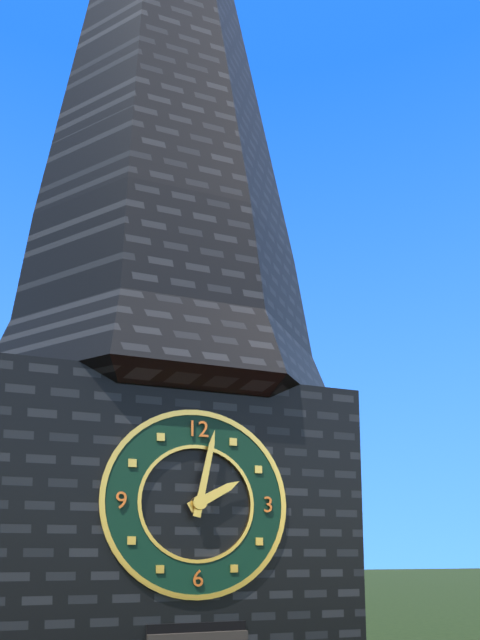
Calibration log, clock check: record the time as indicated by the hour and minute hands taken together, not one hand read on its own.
2:02
